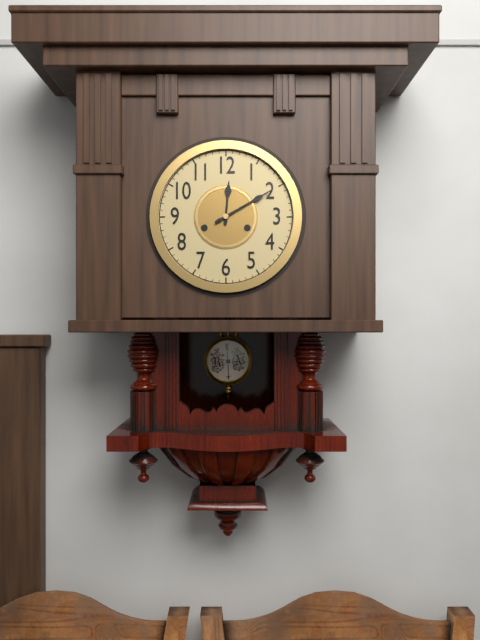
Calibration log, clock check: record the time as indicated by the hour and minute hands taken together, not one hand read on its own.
12:10
